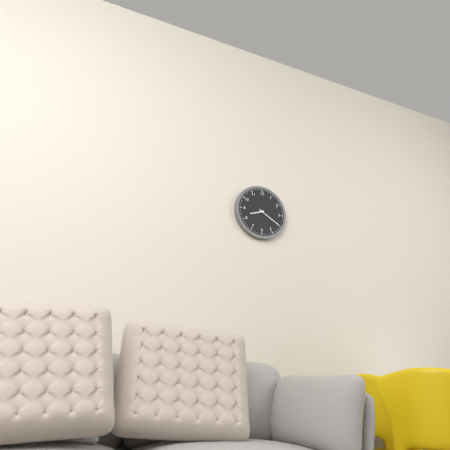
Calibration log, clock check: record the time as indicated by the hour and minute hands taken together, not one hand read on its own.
8:20
